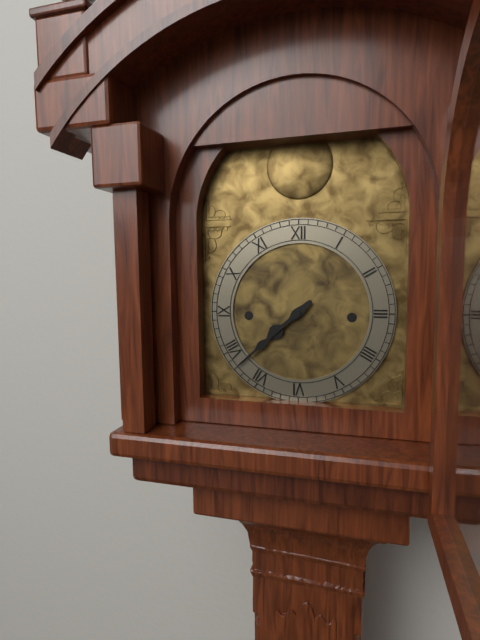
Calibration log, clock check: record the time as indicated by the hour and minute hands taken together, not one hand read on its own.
7:38
